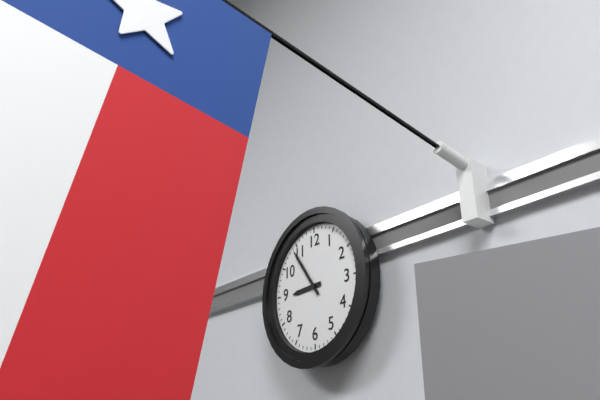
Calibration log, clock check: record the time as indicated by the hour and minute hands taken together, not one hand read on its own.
8:54
